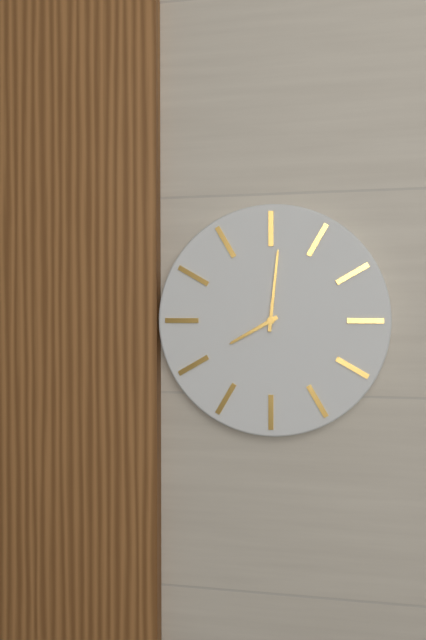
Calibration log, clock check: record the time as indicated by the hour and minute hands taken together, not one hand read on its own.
8:01
